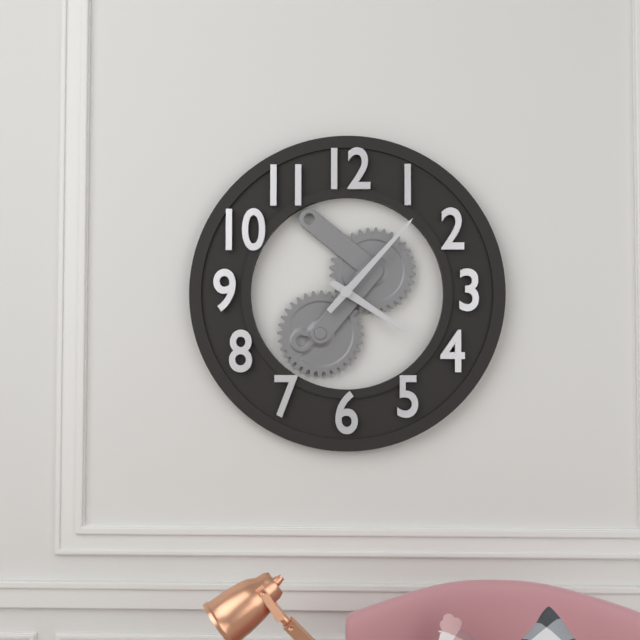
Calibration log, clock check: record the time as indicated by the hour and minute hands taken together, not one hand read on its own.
4:07
